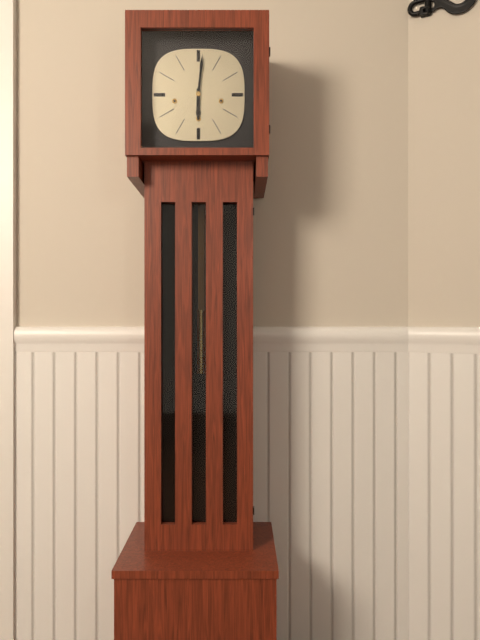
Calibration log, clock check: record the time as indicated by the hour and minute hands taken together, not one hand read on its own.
6:01
